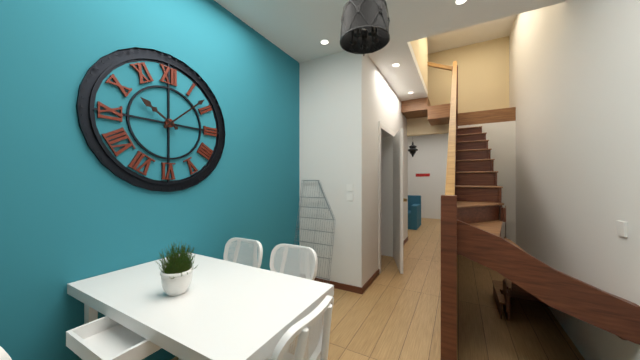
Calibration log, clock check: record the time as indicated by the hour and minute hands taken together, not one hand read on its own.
10:08
